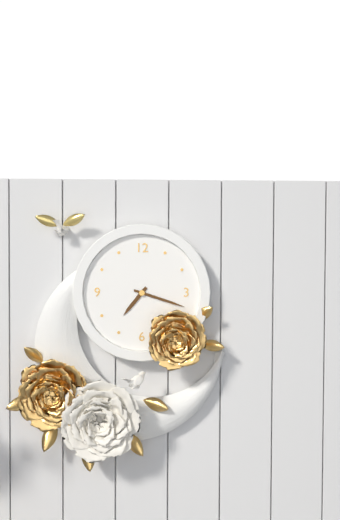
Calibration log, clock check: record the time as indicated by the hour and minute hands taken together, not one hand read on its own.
7:18
